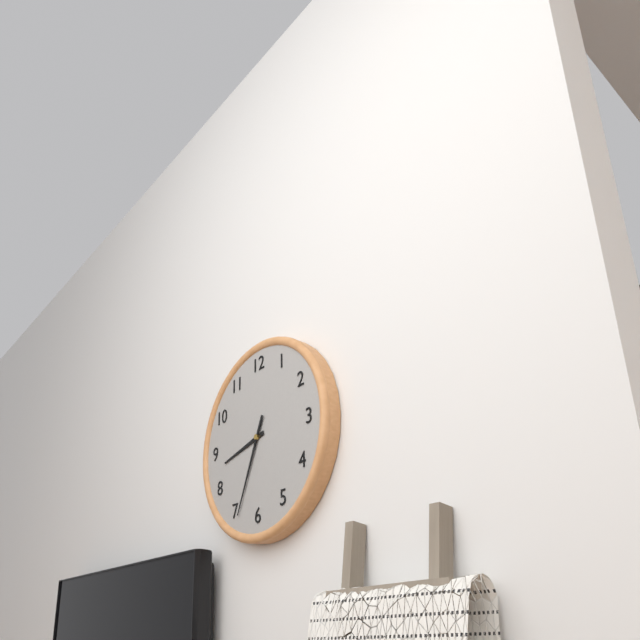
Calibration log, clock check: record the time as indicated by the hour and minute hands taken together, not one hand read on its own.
8:34
